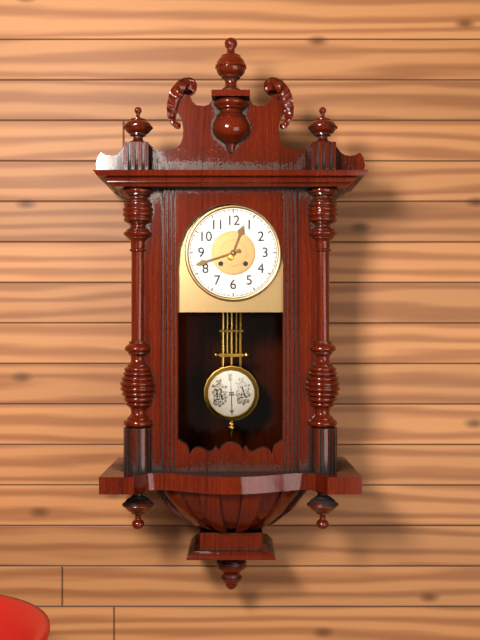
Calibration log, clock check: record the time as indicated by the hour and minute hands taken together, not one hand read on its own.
12:42
